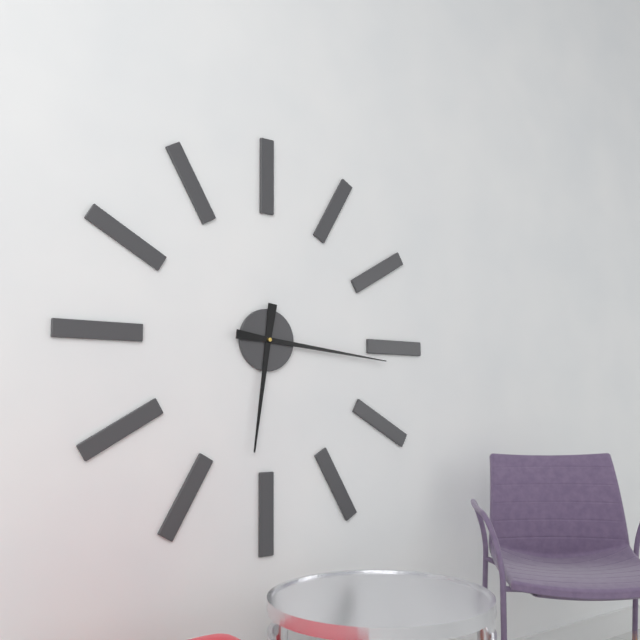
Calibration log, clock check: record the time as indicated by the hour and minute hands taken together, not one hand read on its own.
6:16
